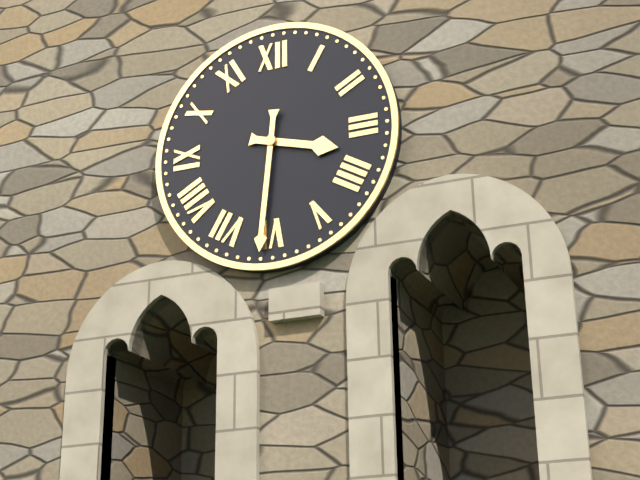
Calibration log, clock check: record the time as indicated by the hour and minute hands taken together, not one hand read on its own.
3:31
